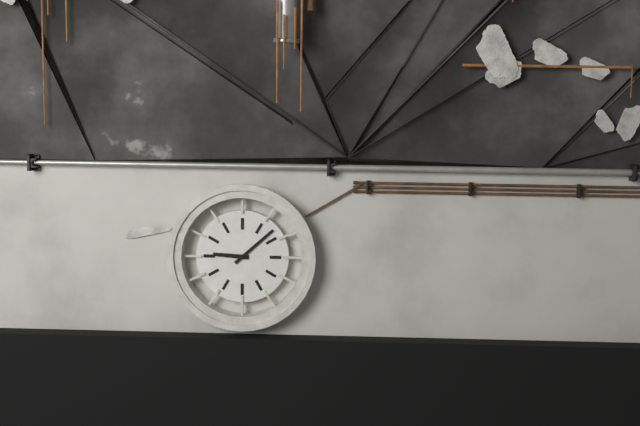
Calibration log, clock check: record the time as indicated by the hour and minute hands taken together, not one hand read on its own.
9:08
